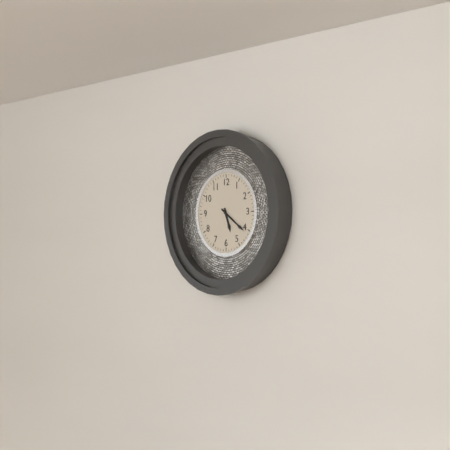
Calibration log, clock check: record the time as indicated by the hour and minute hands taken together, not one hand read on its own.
5:21
